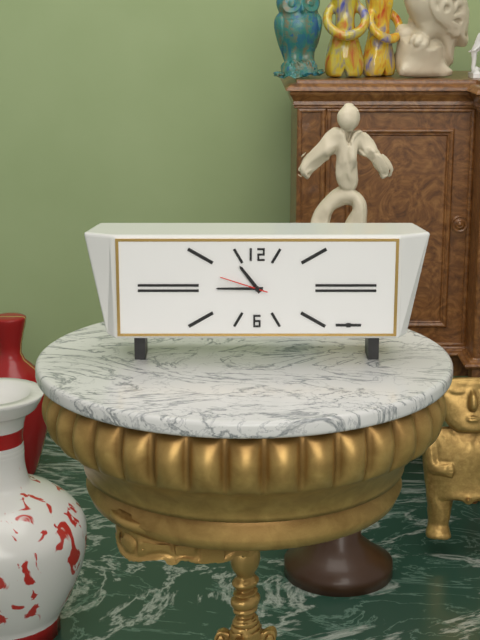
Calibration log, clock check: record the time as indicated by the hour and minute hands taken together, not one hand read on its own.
10:45
